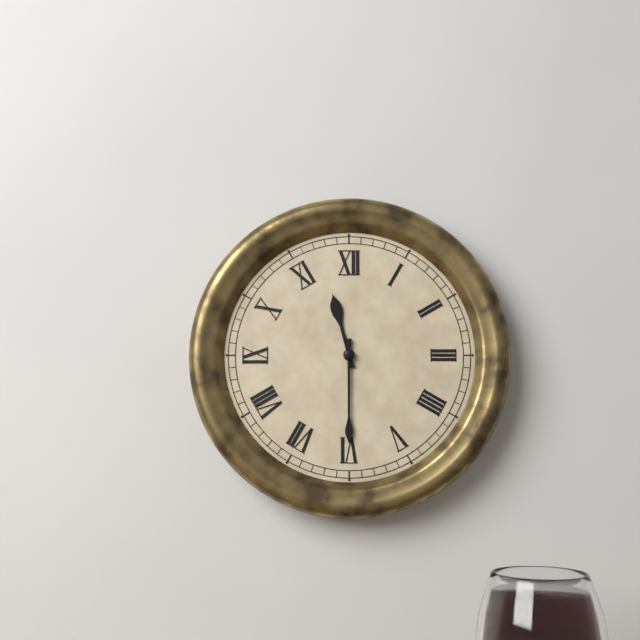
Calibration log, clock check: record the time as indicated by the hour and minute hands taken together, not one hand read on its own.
11:30
